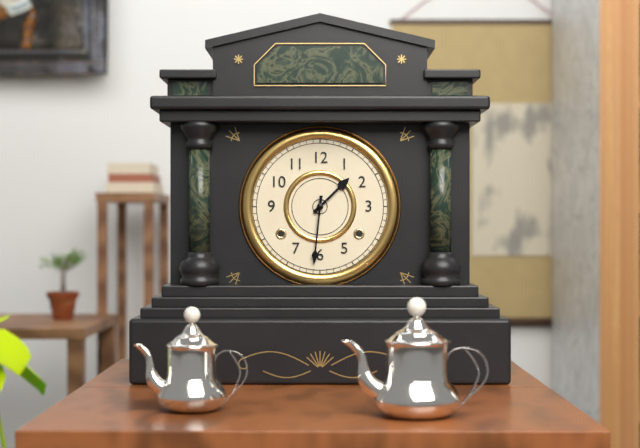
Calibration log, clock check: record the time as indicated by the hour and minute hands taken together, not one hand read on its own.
1:31
